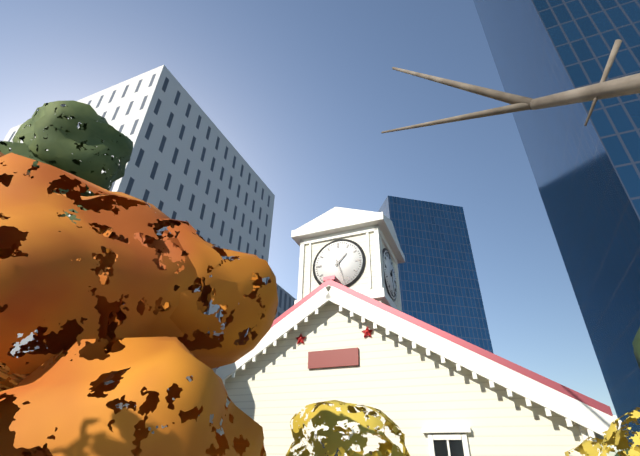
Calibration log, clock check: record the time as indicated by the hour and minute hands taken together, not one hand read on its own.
1:27
